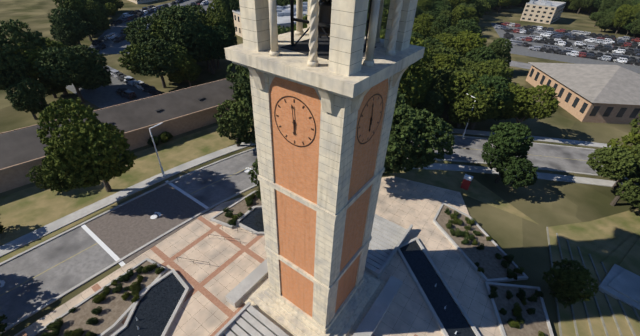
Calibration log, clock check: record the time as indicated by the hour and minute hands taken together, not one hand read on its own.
5:59
